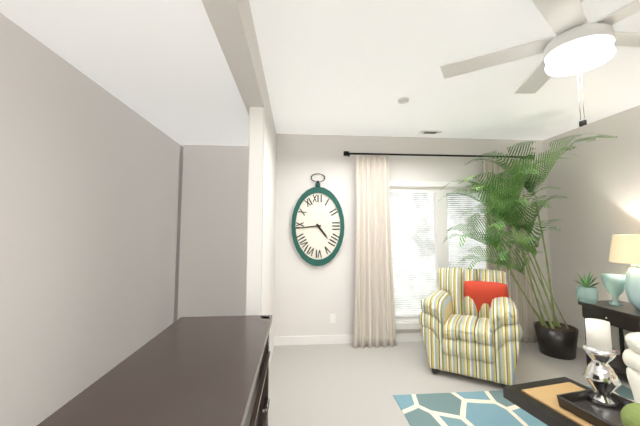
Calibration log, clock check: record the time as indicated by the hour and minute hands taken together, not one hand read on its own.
4:44
